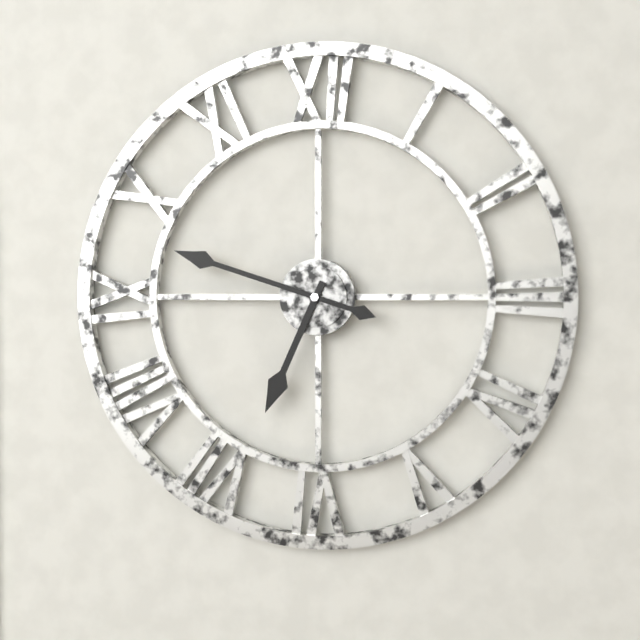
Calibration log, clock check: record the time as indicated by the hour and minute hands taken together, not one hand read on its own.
6:48
